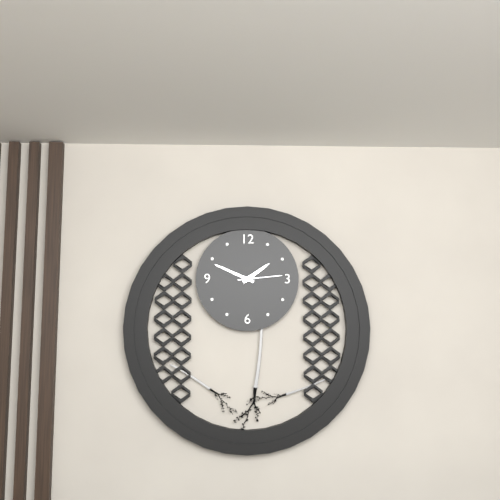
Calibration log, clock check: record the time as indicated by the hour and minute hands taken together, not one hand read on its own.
1:49
